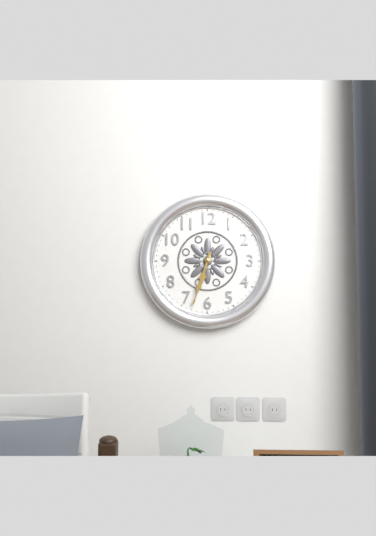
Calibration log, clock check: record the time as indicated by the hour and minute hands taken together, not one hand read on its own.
6:33
